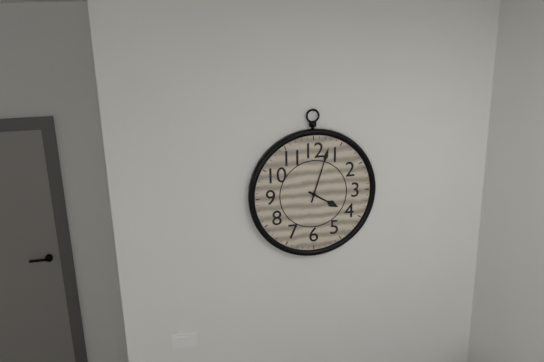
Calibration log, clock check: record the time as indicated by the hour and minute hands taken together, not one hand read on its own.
4:03
